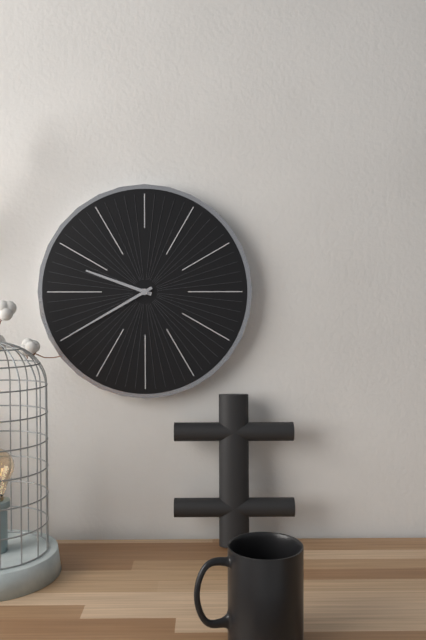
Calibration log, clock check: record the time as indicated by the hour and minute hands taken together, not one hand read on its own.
9:40
